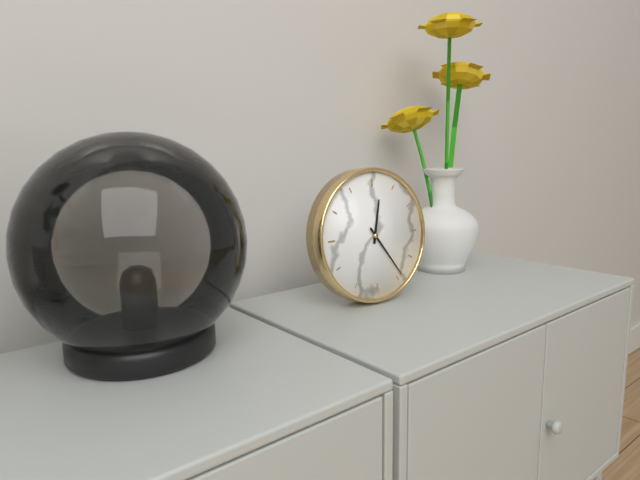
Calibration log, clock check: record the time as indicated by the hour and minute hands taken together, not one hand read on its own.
12:24
